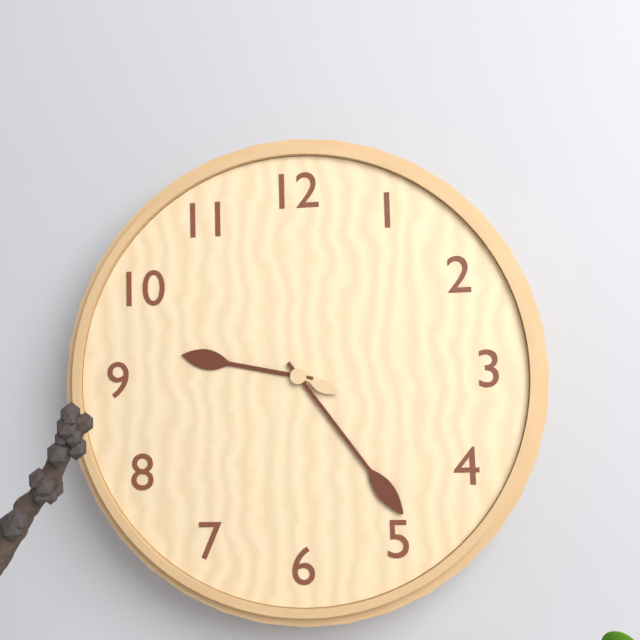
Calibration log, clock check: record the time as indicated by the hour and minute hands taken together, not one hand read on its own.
9:24
